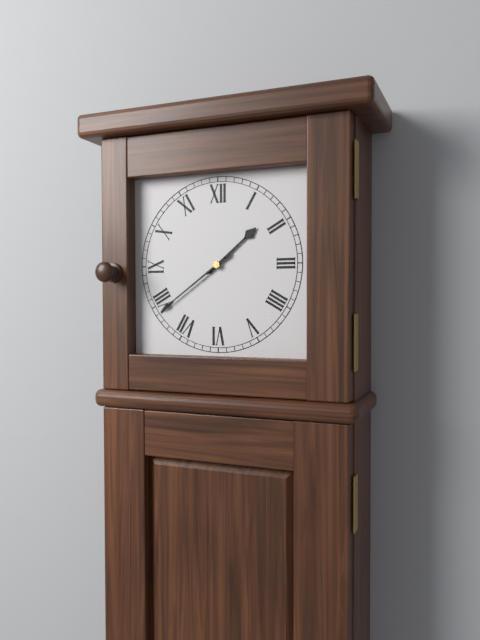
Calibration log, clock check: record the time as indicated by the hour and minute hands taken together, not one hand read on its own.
1:39
